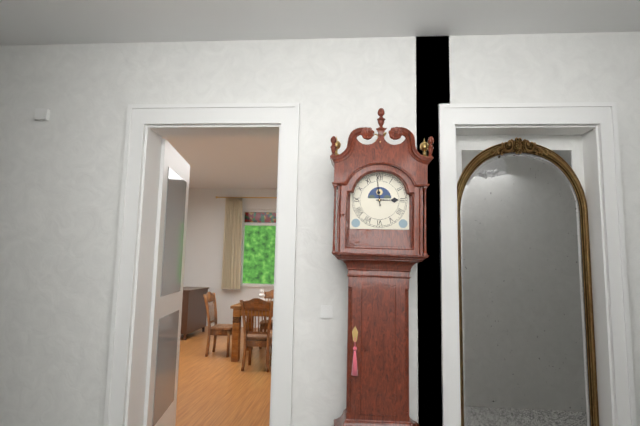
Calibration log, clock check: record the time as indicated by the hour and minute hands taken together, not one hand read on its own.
2:59
